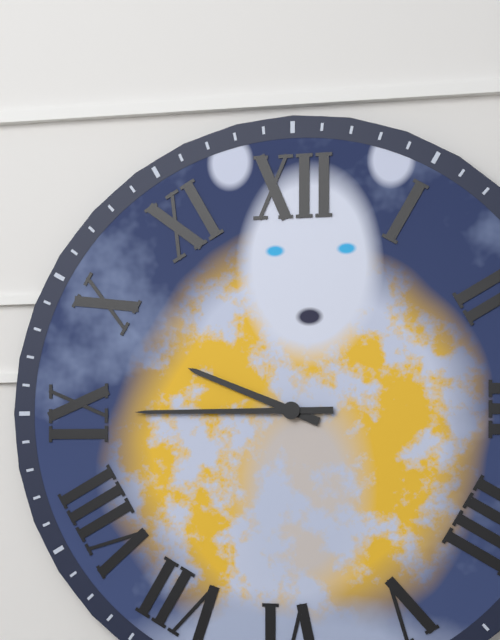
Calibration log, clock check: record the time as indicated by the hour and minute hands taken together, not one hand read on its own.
9:45
